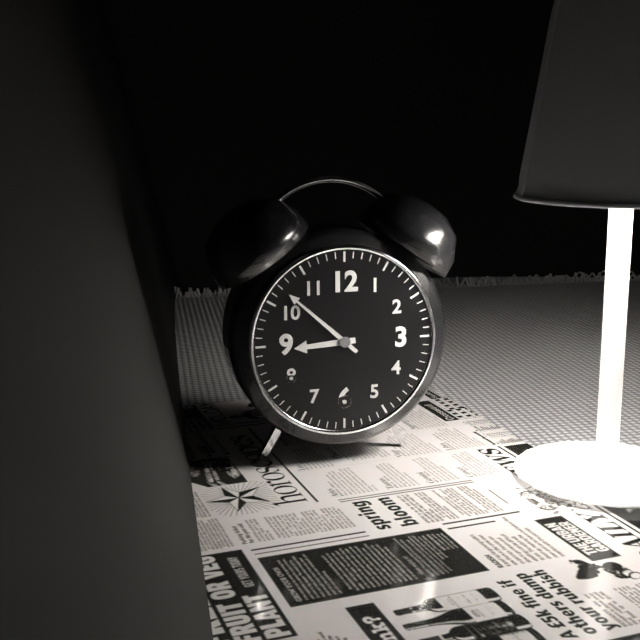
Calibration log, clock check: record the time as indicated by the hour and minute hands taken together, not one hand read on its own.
8:52
